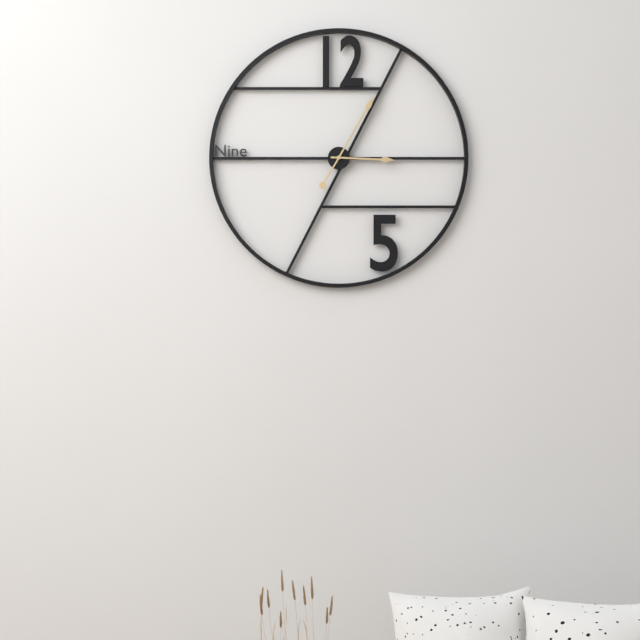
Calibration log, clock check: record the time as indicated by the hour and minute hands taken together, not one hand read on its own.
3:05
